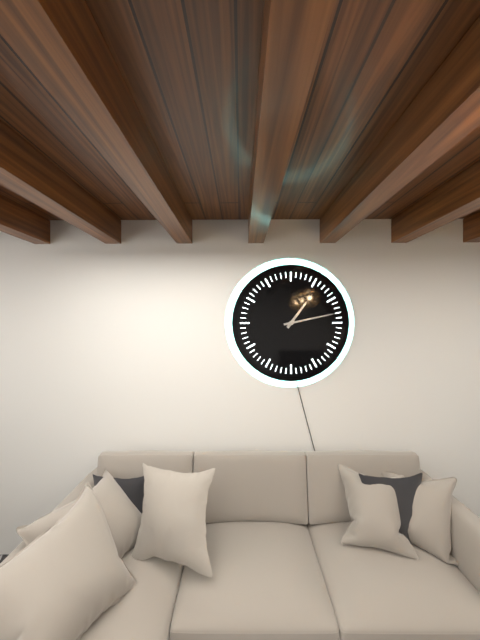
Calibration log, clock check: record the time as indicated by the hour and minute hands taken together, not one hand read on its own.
1:13
